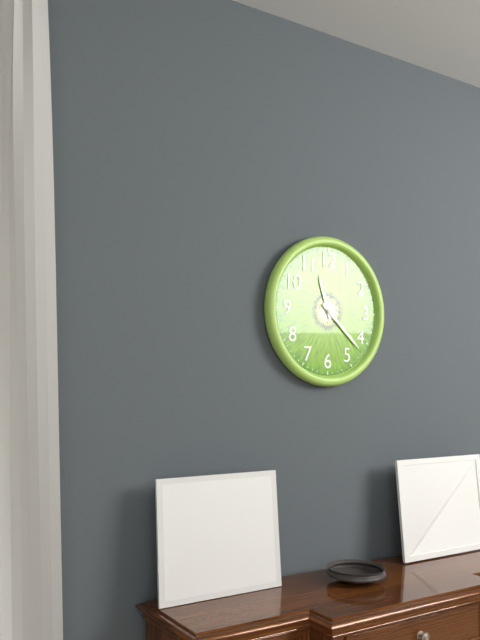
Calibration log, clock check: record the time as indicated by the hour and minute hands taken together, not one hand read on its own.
11:22
